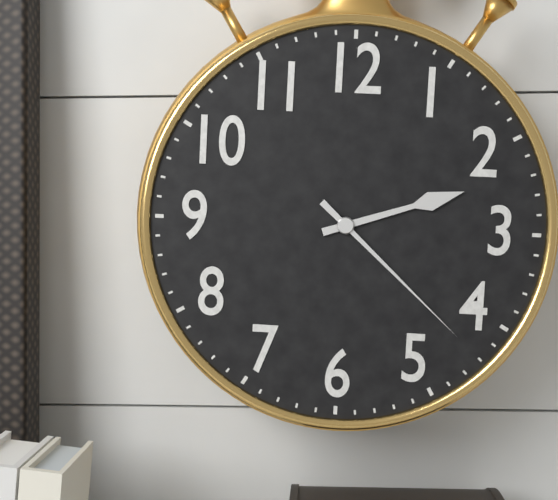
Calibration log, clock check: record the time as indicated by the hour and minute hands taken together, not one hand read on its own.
2:22
